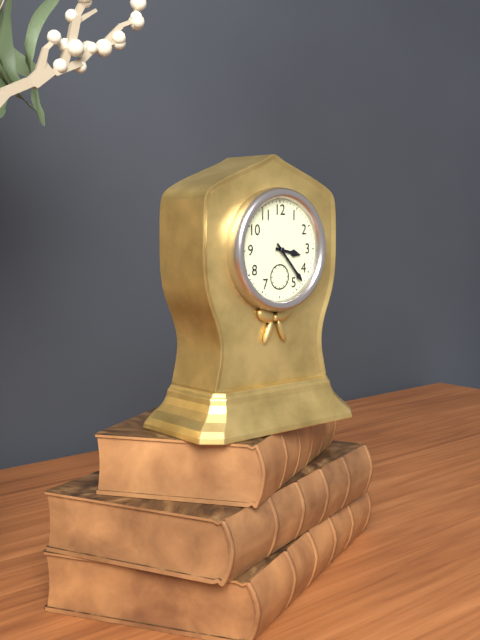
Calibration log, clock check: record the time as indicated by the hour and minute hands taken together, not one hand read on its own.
3:23
